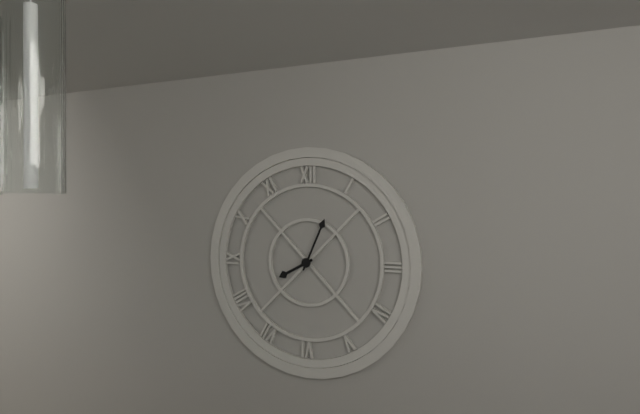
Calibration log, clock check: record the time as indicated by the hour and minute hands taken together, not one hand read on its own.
8:04
